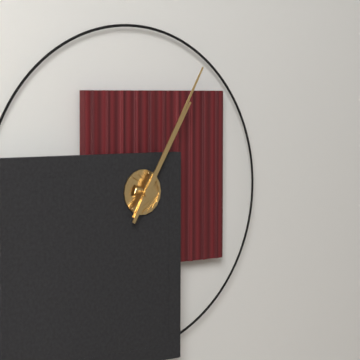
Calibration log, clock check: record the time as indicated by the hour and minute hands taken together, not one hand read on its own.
1:05
